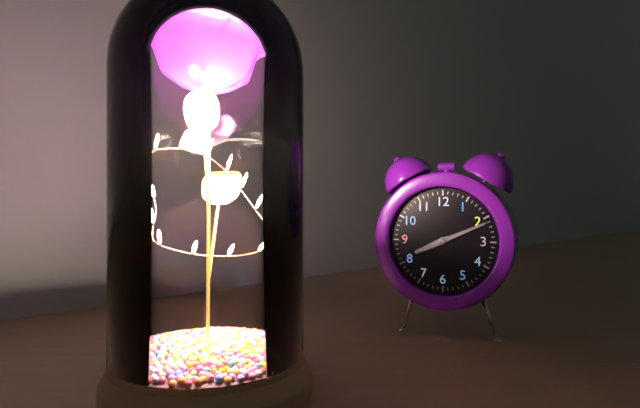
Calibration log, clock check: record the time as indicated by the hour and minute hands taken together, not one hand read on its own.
8:11
